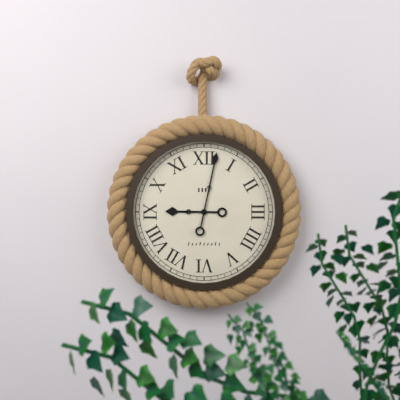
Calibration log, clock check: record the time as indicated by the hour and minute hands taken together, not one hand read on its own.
9:02
